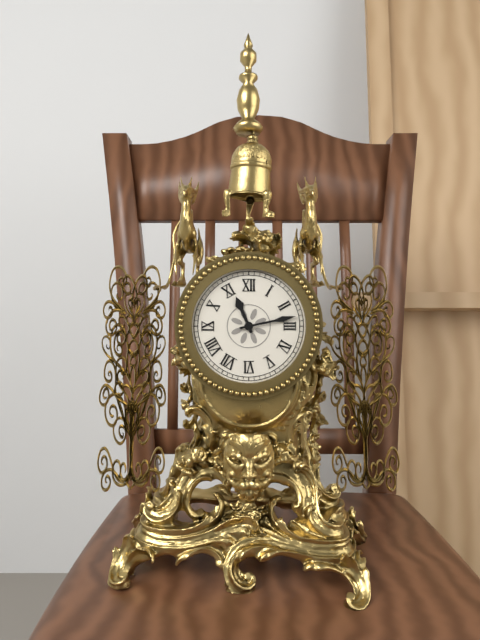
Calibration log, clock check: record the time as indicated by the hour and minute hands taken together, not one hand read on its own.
11:13
